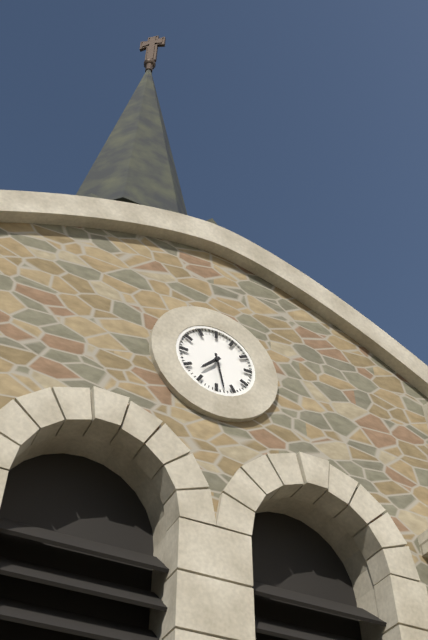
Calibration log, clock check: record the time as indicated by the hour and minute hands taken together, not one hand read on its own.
7:28
